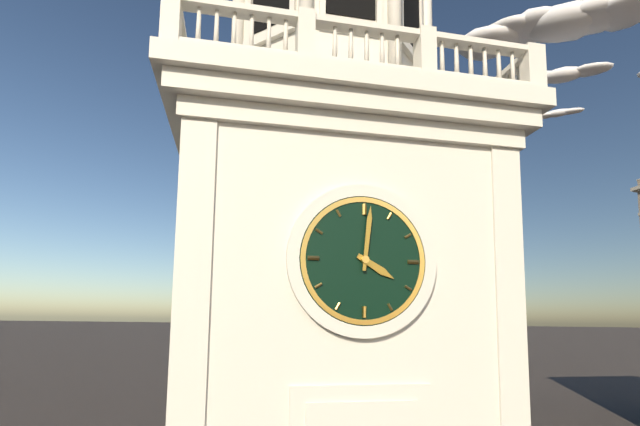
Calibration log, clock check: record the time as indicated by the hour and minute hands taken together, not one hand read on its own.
4:01
